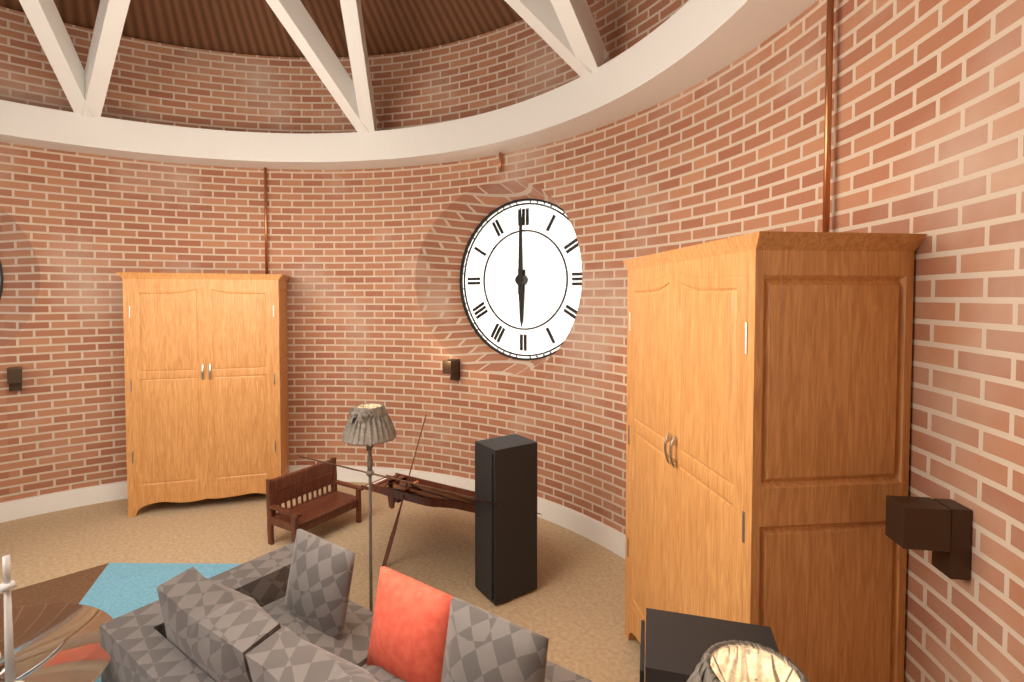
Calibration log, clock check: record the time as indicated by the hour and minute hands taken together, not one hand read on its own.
6:00
